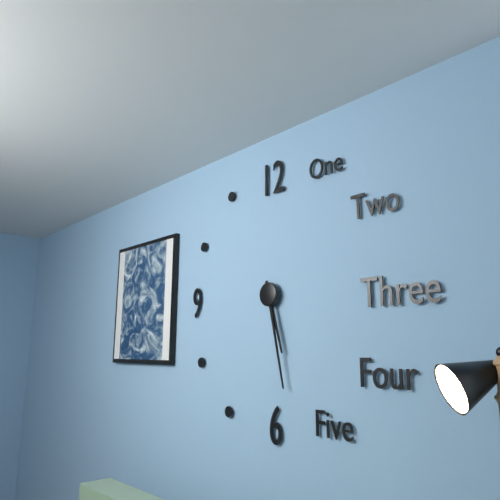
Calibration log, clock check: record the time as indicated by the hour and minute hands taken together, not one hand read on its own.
5:28
